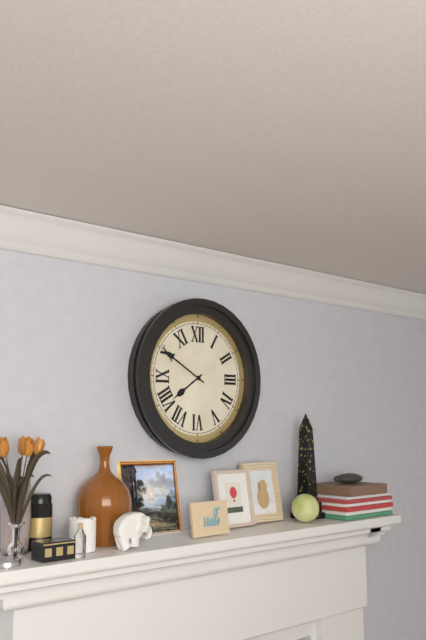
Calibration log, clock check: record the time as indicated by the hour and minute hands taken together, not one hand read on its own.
7:50
